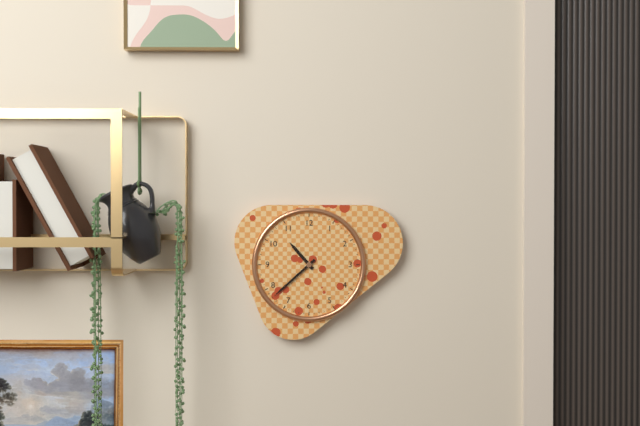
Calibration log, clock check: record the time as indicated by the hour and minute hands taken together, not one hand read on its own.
10:38
